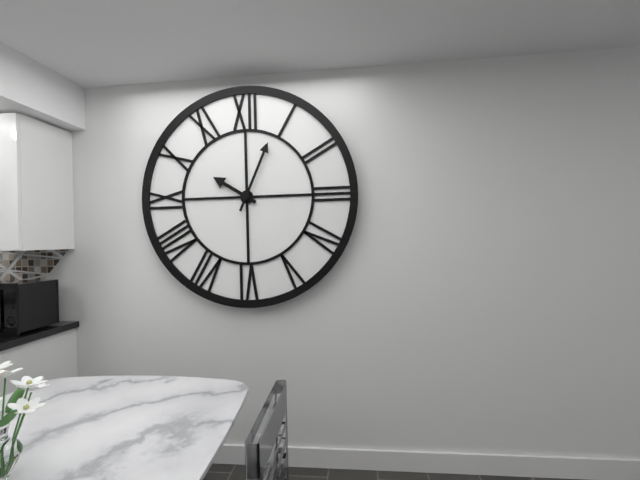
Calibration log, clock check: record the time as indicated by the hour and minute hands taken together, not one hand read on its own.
10:04
